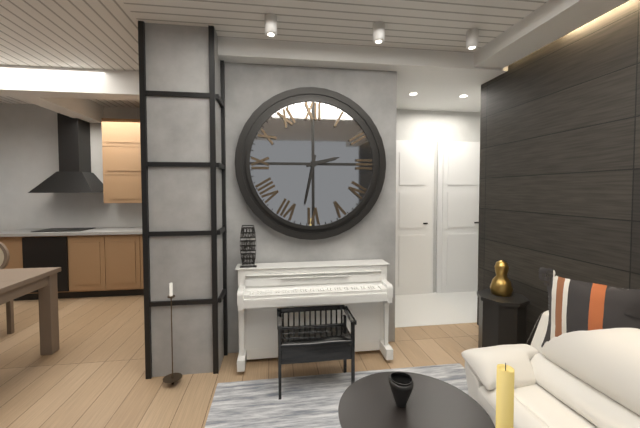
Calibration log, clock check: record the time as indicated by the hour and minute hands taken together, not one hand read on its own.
2:32
